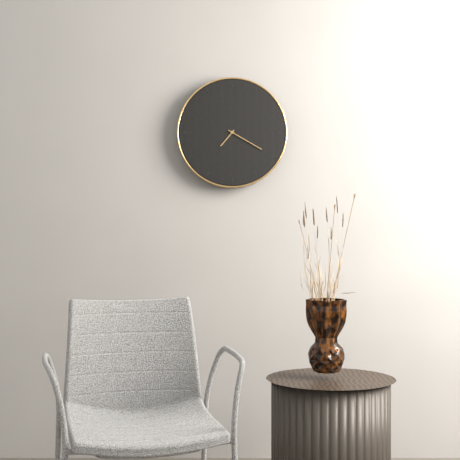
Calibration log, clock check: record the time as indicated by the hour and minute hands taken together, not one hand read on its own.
7:20
